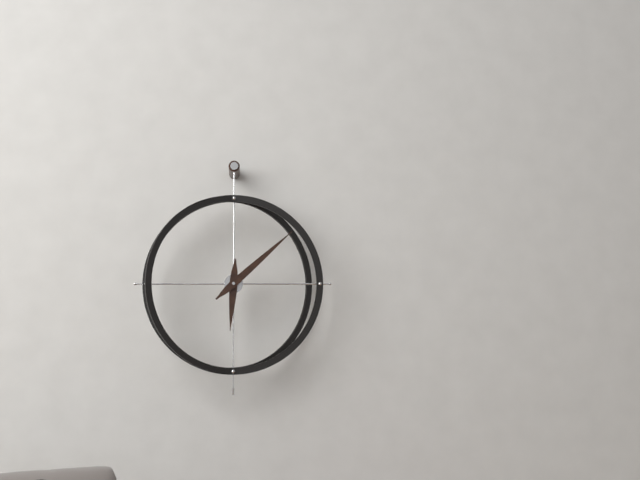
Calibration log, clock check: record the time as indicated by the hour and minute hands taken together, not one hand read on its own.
6:08
